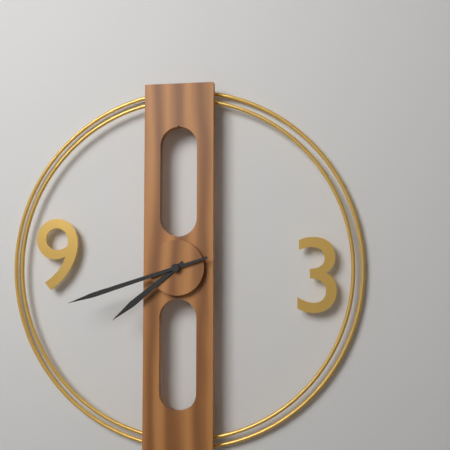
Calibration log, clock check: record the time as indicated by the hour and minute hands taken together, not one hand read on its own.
7:42
